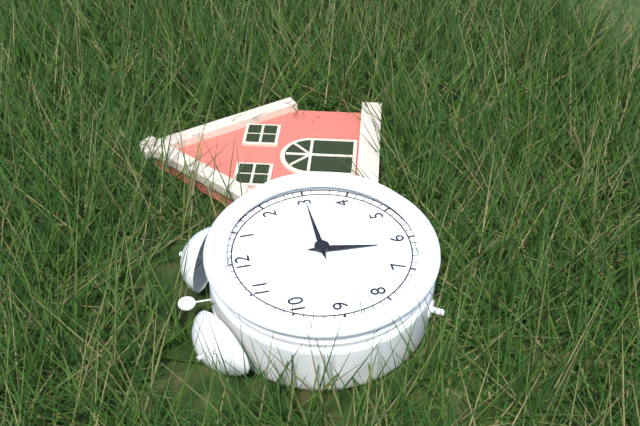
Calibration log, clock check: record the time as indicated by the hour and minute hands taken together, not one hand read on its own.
6:15
